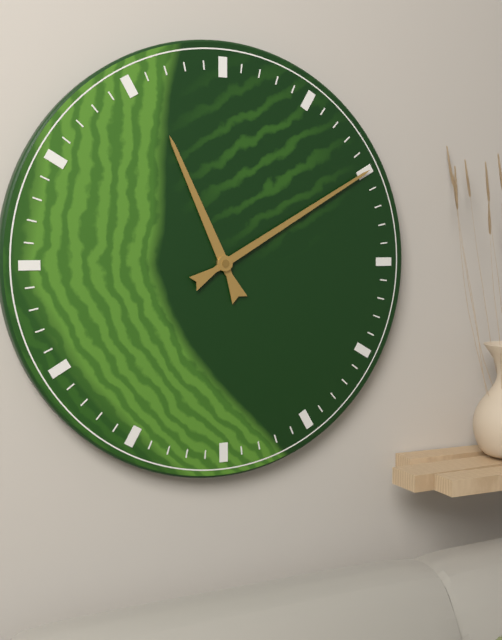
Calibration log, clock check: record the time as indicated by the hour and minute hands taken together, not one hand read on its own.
11:10
